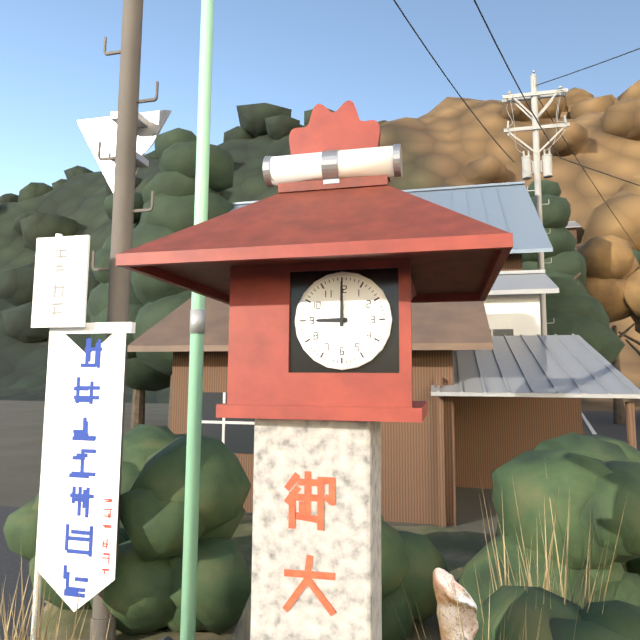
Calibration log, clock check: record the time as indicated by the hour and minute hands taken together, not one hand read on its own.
9:00
